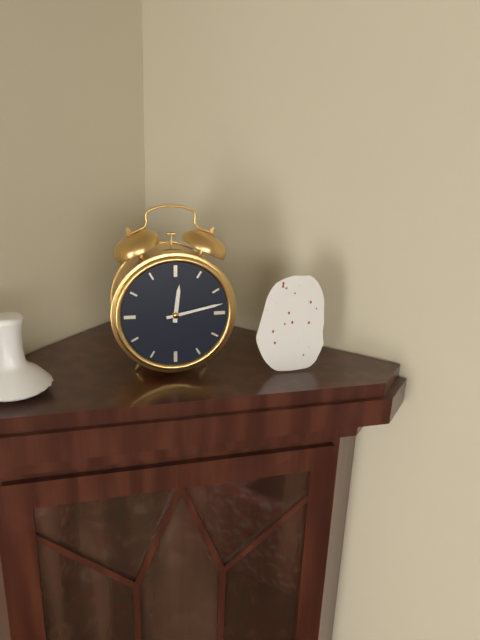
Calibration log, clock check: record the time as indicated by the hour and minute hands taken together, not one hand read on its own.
12:13
